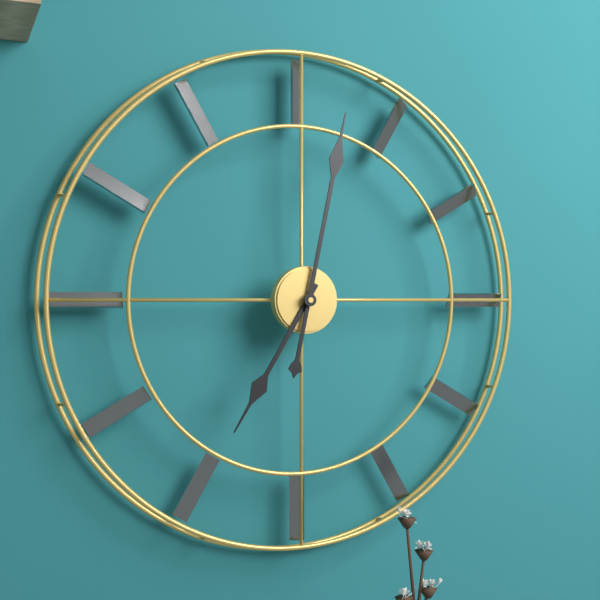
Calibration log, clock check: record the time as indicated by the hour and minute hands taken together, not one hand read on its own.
7:02
